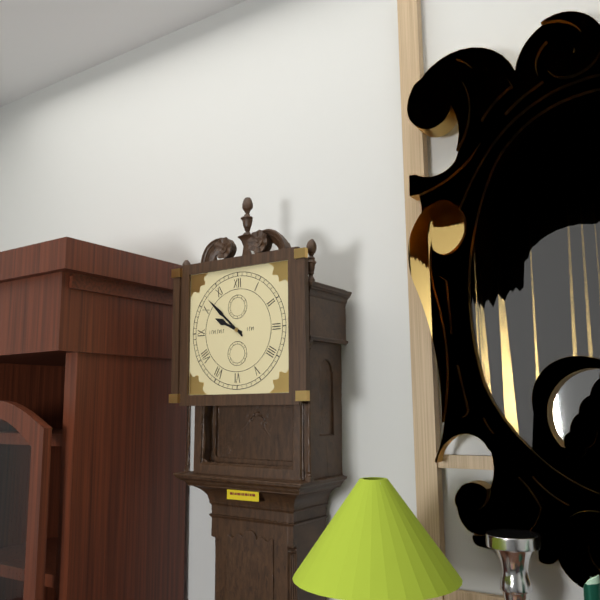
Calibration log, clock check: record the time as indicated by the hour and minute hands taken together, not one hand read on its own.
9:52
